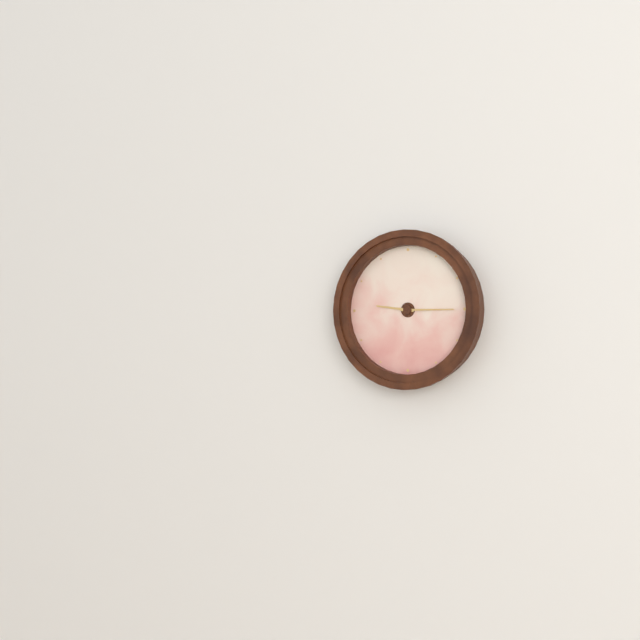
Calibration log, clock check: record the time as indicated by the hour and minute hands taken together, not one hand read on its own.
9:15
